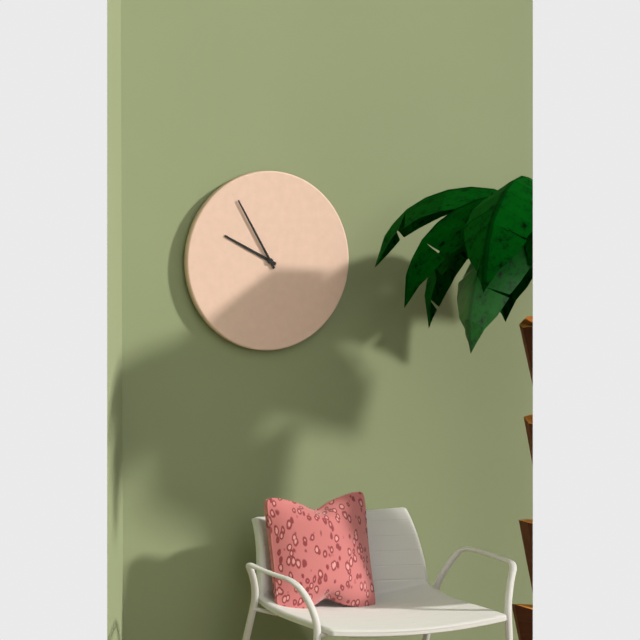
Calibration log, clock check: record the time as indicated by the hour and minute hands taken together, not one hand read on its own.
9:55
